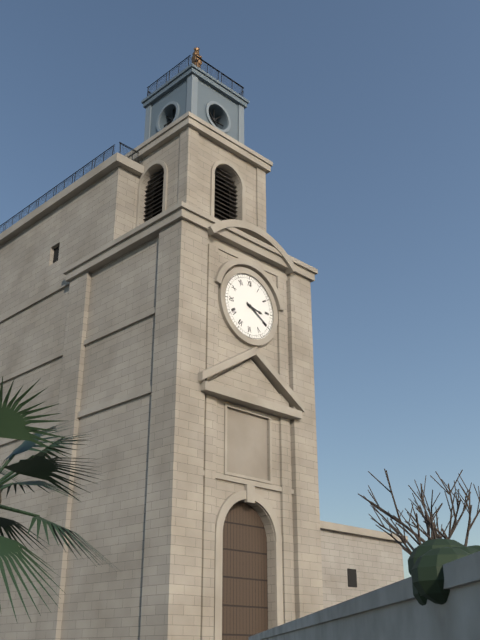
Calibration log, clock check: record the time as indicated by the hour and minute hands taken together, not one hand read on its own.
3:20
